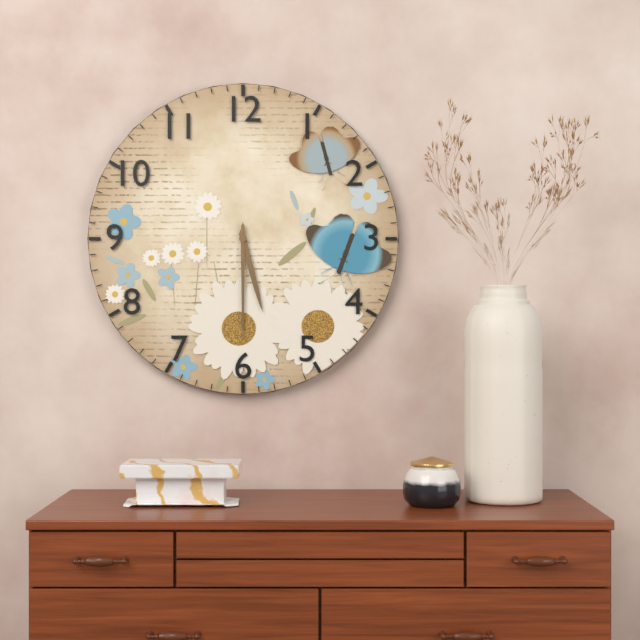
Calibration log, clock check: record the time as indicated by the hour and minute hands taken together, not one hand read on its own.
5:30
